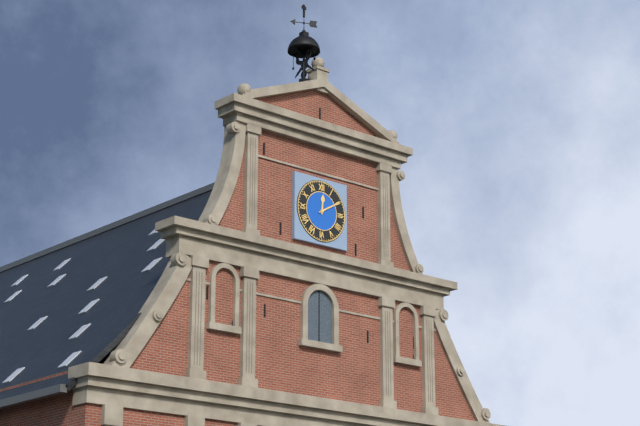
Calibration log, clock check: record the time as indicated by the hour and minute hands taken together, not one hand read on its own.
12:10
